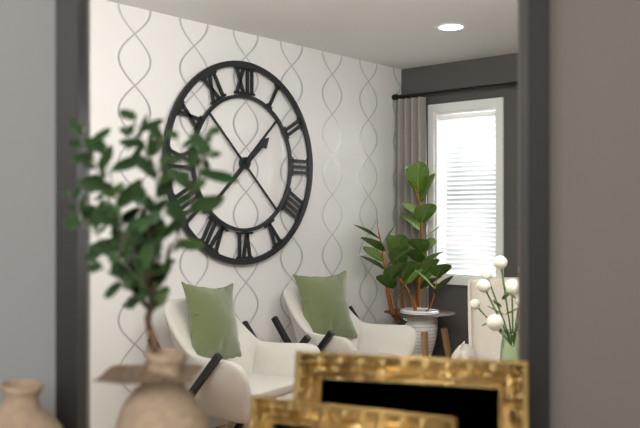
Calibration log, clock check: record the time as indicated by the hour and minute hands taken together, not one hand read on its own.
1:38
